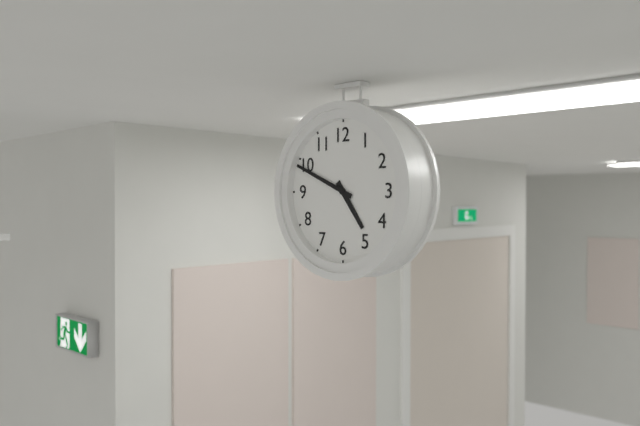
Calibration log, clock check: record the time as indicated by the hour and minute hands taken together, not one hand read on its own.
4:49
